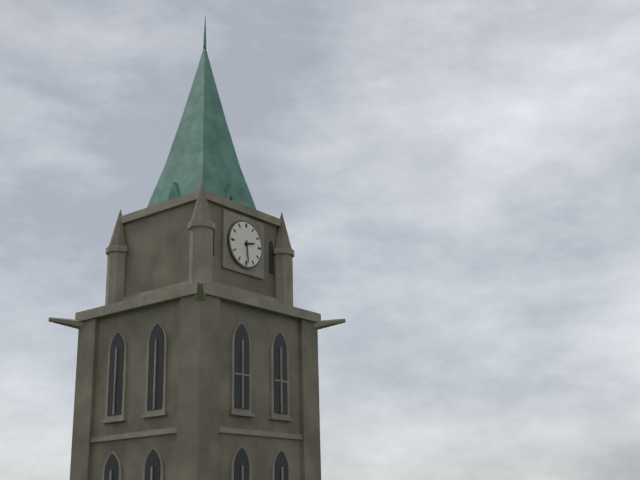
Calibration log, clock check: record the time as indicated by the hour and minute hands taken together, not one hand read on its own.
2:29
